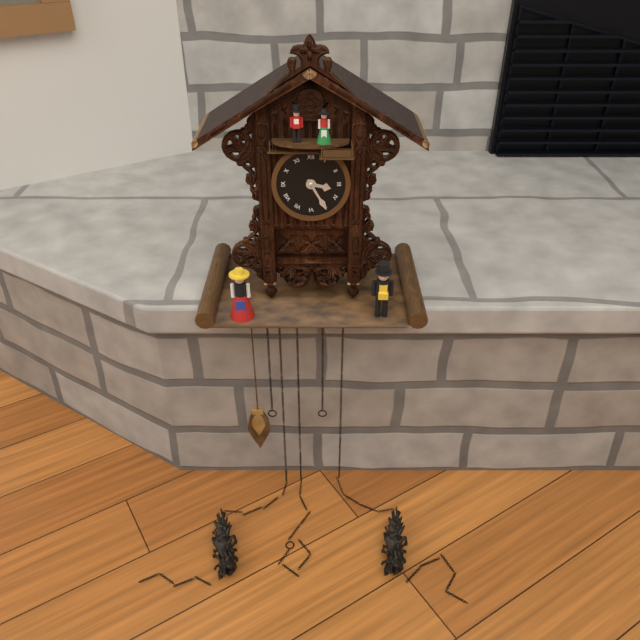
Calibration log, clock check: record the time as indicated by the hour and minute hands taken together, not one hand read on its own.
3:25
